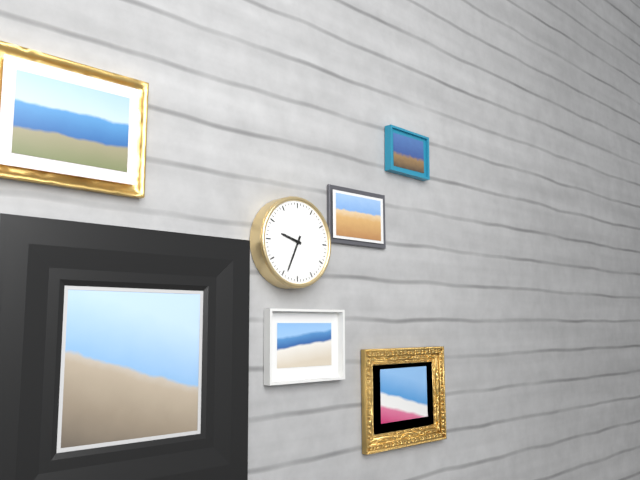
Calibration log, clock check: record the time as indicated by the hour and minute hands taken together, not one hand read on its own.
9:34
